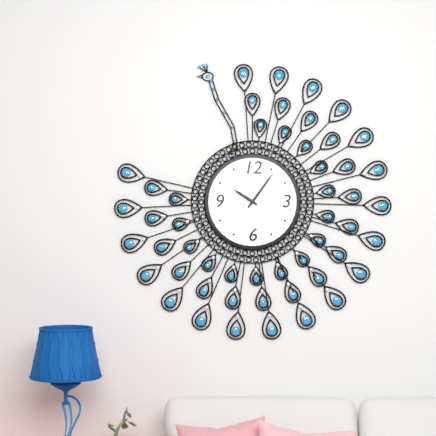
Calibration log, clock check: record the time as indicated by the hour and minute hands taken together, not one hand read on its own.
10:06
